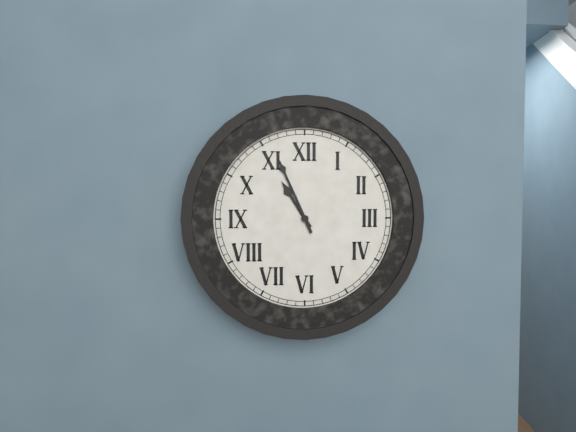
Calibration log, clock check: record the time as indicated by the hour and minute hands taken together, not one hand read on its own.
10:56
